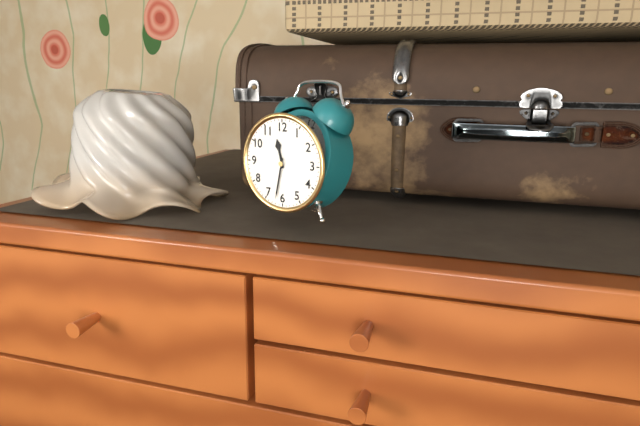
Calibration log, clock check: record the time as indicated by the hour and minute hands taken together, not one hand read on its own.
11:32
